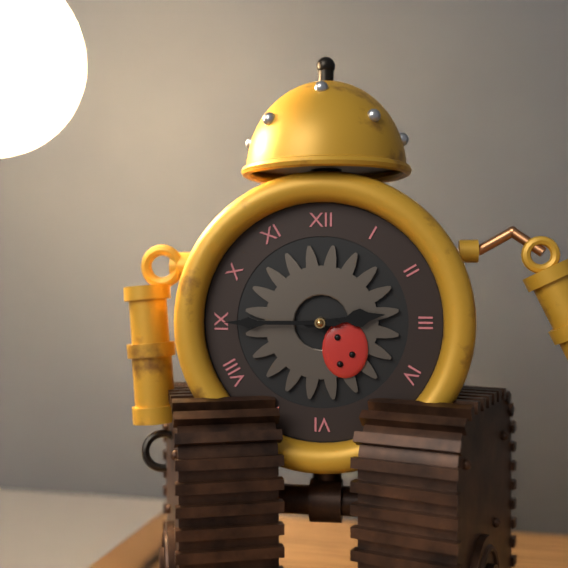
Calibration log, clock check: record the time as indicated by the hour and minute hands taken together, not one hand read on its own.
2:45
